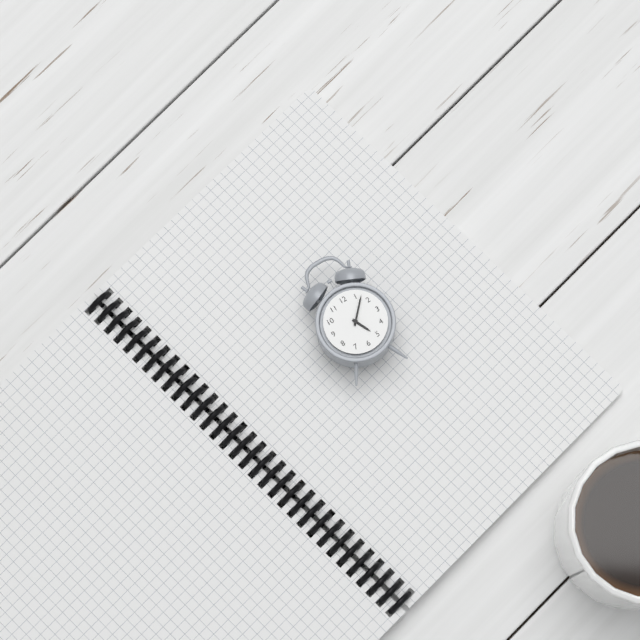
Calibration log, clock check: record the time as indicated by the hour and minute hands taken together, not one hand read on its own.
5:07
